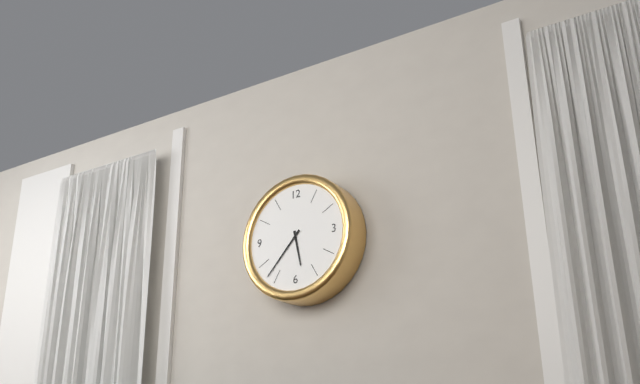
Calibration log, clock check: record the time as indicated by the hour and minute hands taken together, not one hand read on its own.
5:37
